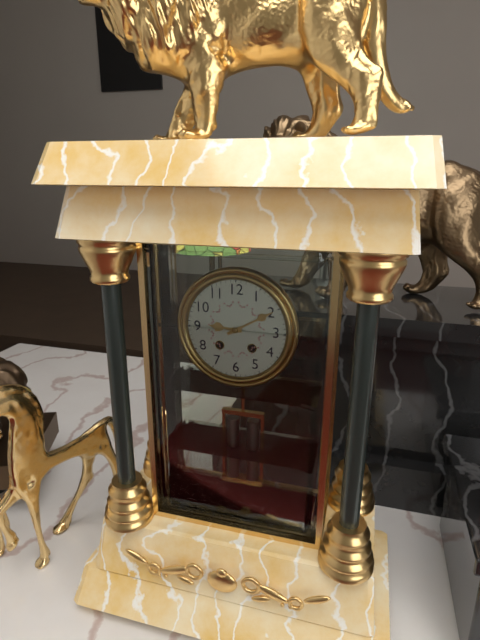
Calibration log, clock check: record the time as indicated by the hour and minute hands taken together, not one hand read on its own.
9:10
